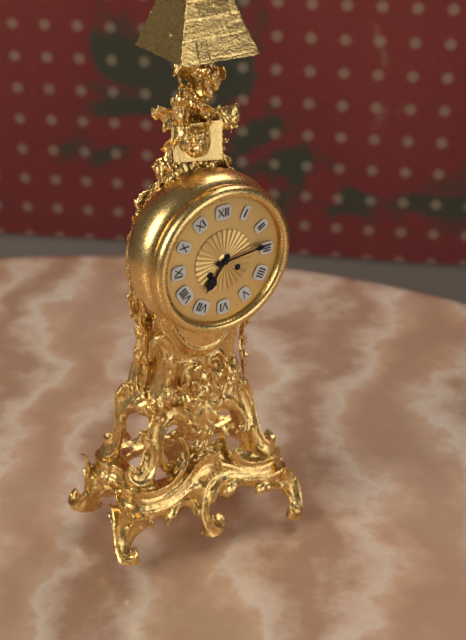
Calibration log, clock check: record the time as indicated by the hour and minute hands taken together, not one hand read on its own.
7:14
